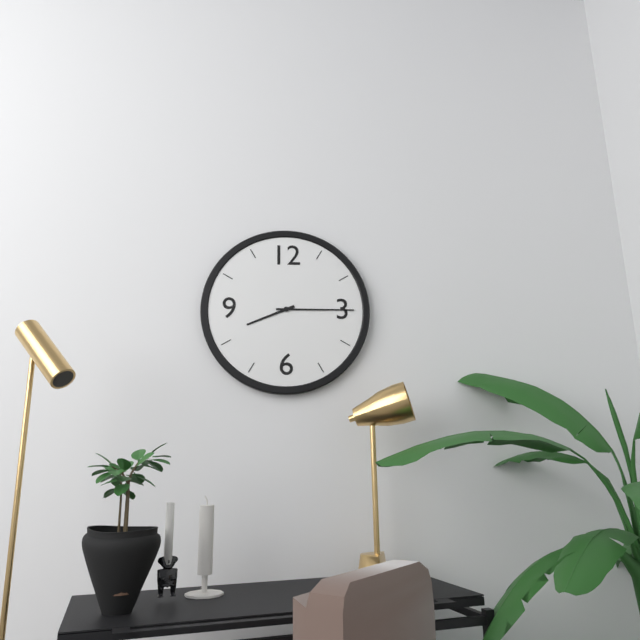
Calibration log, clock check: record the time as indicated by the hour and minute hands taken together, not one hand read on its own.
8:15
